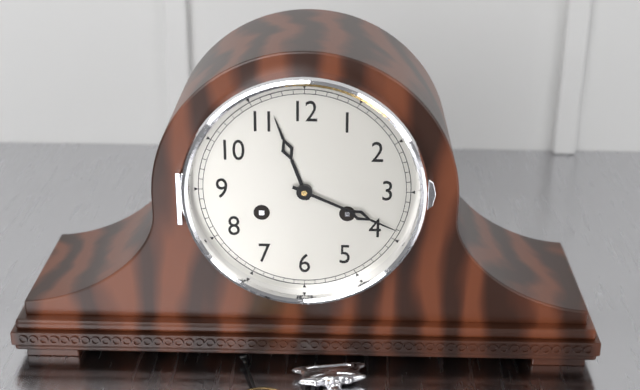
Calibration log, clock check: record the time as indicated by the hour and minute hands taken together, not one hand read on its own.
11:19
